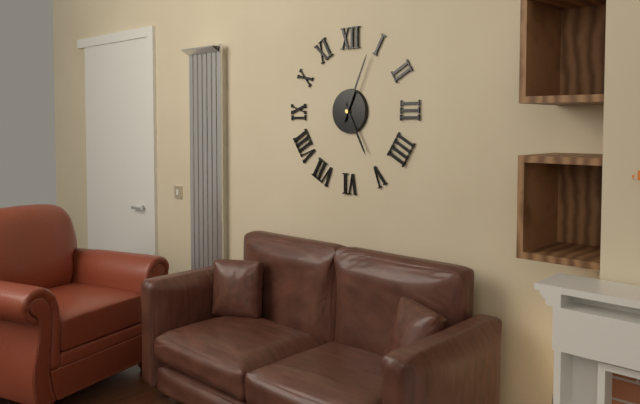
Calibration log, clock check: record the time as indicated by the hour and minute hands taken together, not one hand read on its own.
5:04
